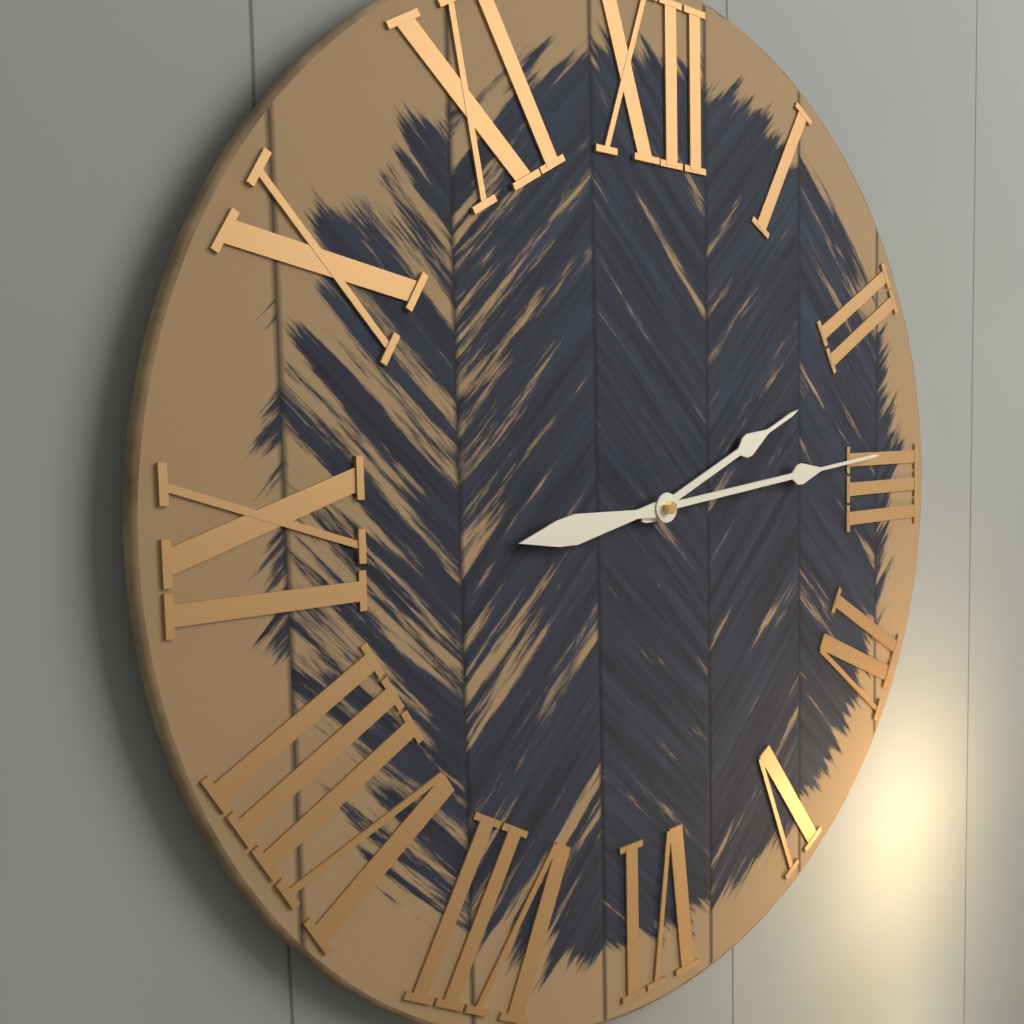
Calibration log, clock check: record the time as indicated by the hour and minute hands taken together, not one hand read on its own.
2:14
